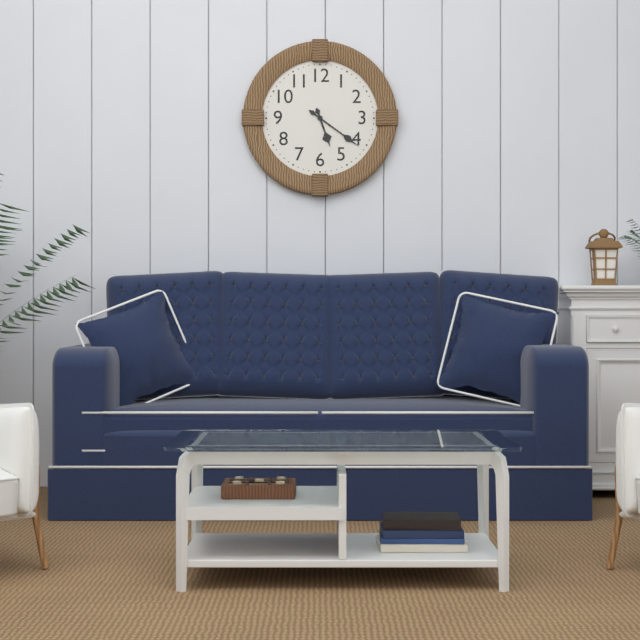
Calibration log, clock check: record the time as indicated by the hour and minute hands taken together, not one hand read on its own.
5:21
